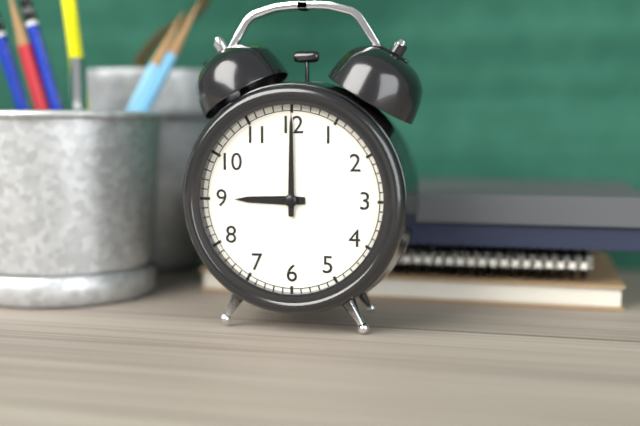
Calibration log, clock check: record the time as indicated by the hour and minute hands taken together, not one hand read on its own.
9:00
